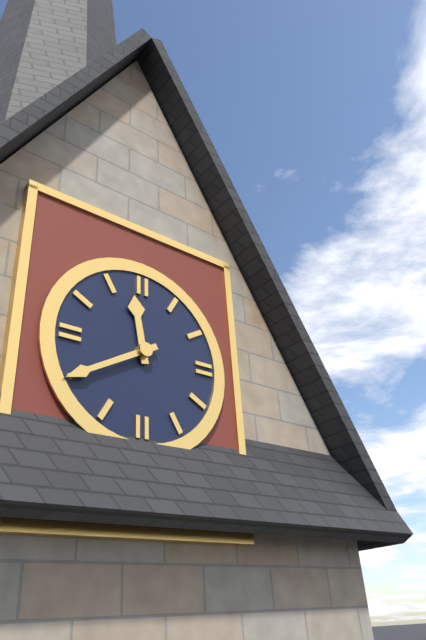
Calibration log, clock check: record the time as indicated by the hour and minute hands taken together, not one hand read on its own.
11:40
